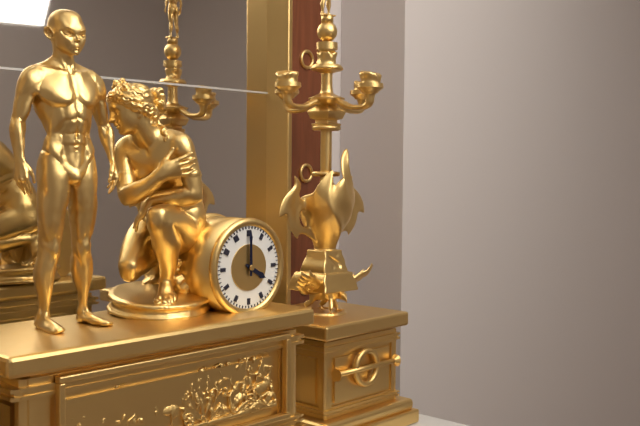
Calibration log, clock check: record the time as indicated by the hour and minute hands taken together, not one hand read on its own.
4:00
